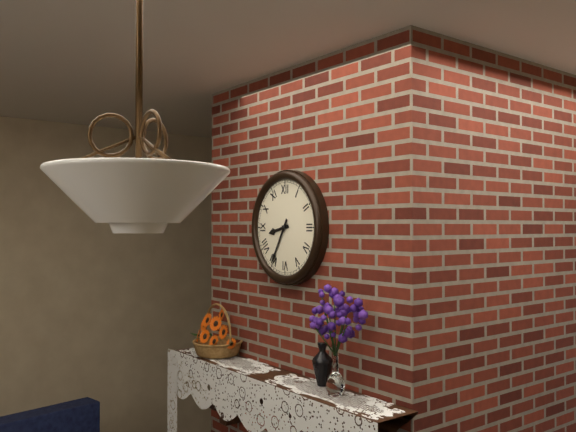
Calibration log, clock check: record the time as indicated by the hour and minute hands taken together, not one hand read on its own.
8:35
